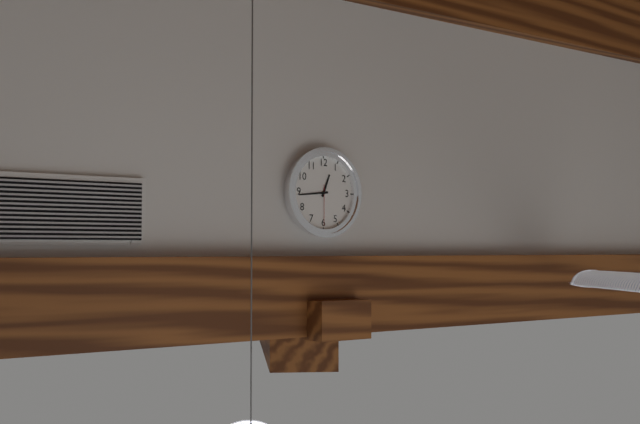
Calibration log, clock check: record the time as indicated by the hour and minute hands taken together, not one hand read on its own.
12:44
